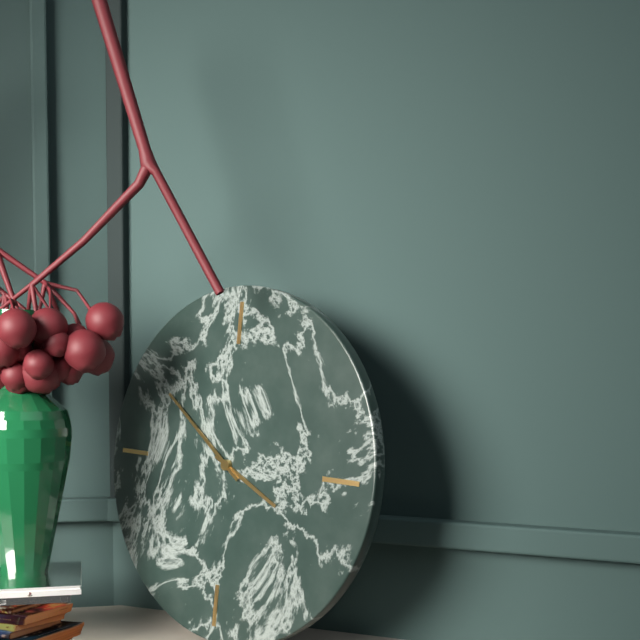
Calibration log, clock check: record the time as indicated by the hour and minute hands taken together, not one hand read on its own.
3:51
